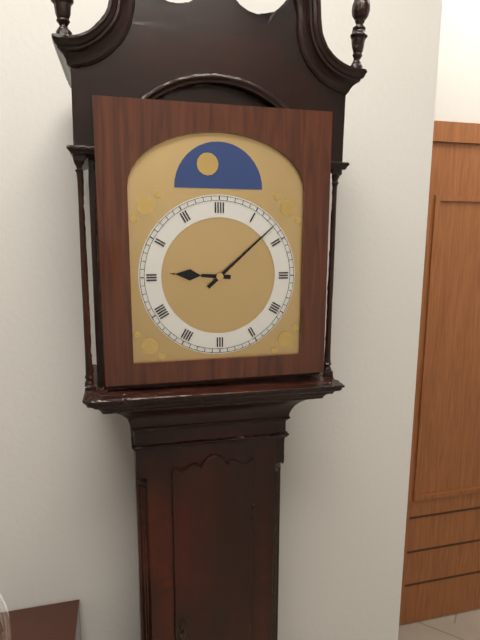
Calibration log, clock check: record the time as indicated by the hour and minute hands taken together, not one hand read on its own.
9:08
